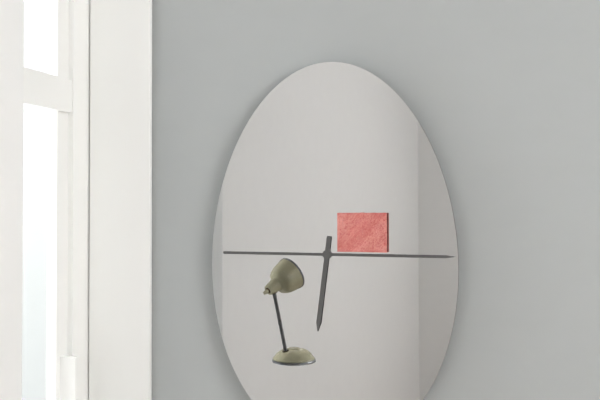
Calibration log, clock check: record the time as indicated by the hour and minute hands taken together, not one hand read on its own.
6:15
